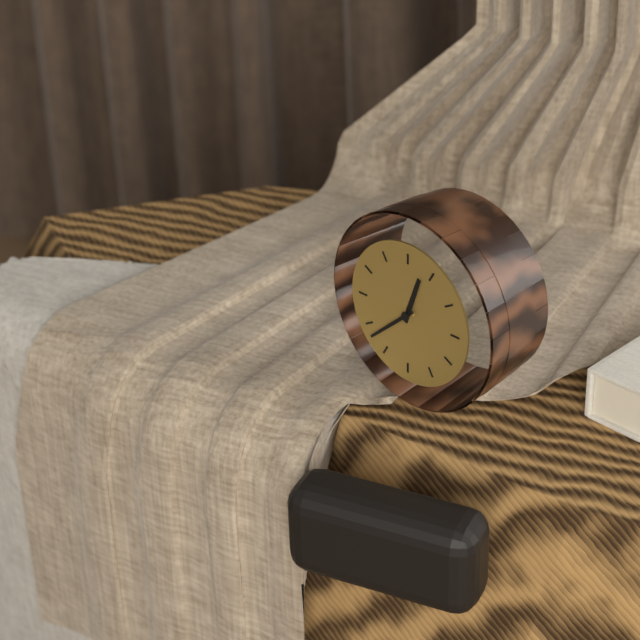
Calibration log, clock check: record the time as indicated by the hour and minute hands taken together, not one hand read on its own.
12:38
